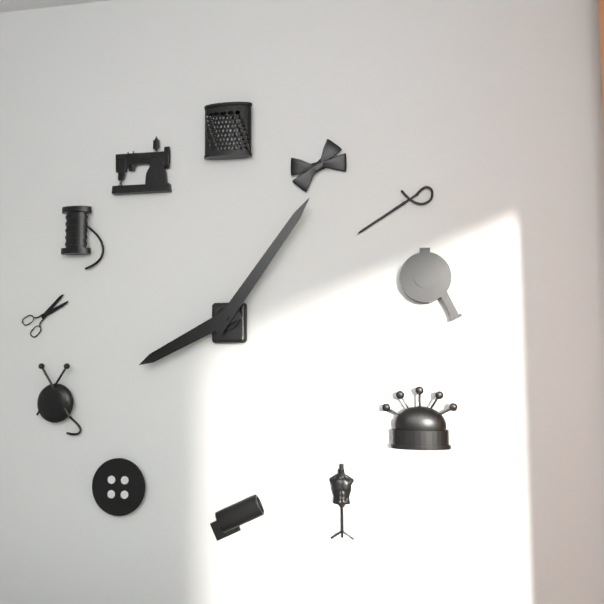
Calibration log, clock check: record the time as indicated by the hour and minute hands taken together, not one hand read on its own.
8:06
